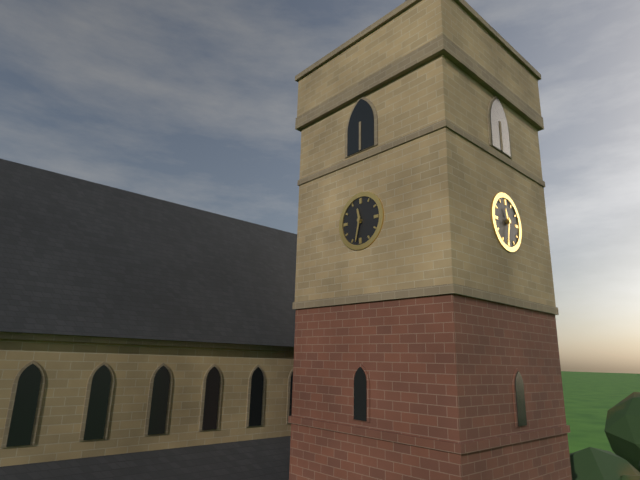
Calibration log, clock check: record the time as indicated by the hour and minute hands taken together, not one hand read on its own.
11:32
